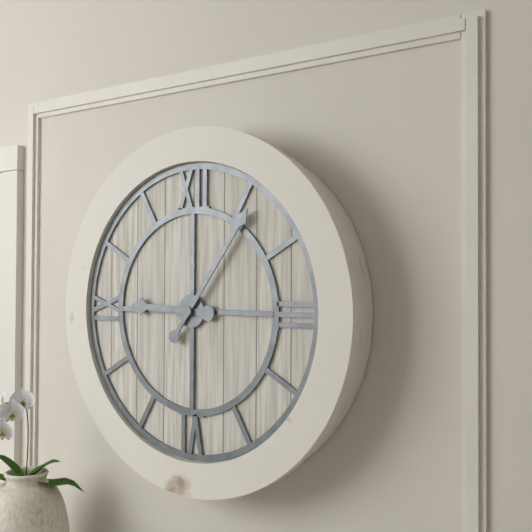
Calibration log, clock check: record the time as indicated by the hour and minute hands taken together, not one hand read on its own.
9:06
